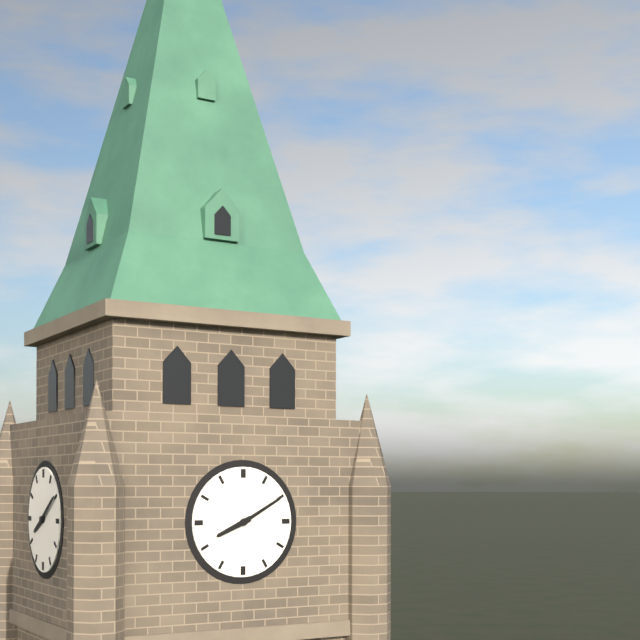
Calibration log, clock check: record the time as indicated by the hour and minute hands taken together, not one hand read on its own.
8:10
